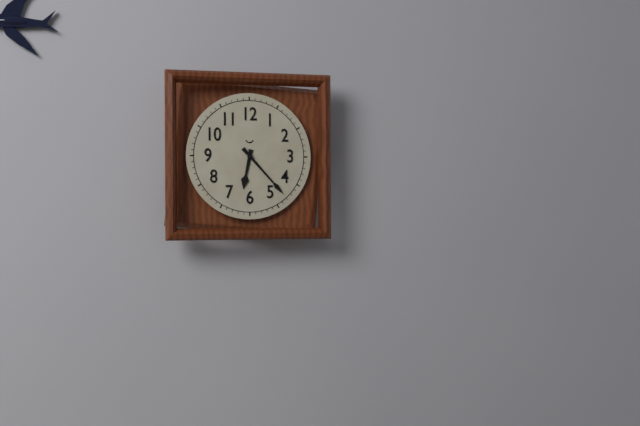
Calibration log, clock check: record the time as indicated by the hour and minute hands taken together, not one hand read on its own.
6:23
